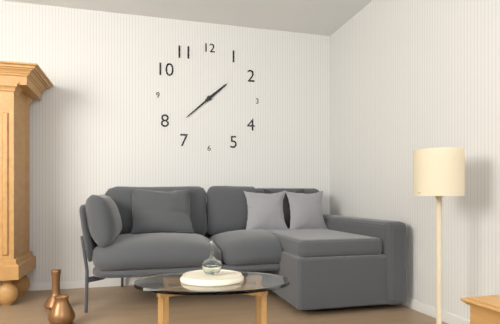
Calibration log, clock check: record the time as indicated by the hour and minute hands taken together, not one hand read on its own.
1:38
